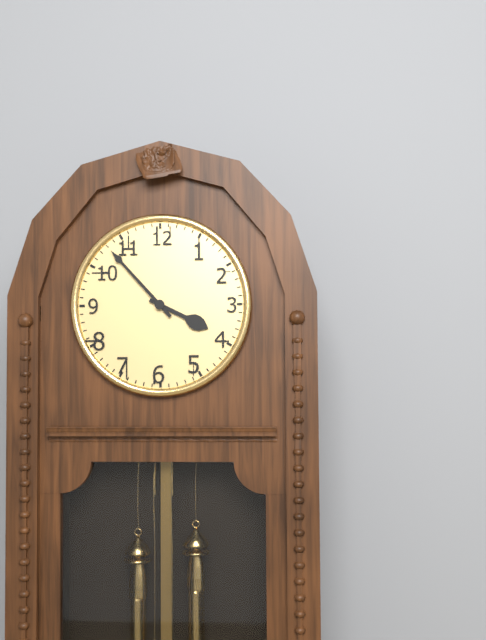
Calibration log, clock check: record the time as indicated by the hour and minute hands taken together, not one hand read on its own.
3:53
